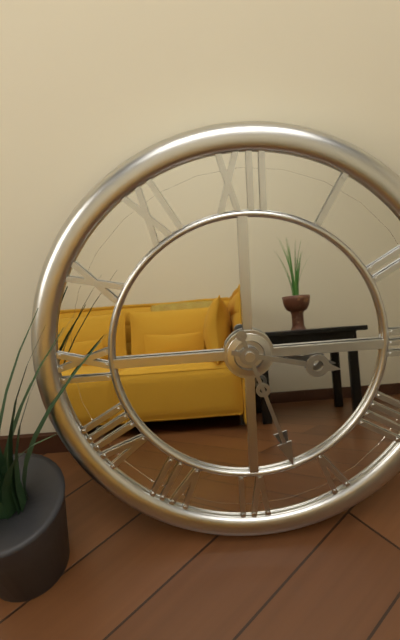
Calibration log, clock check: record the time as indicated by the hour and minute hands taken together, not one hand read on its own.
3:27
